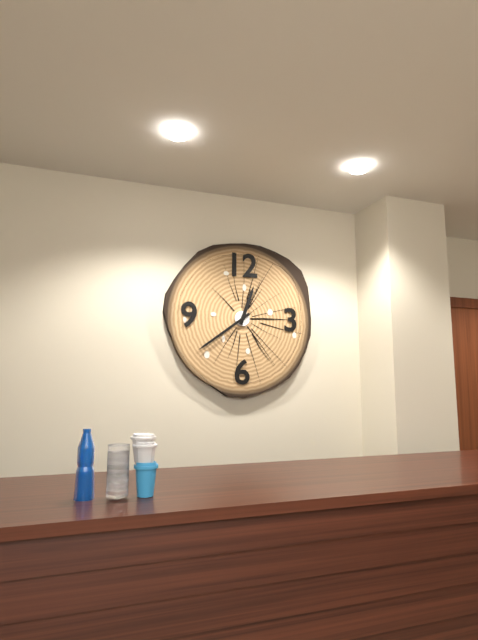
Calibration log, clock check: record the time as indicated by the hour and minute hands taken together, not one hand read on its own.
12:39
